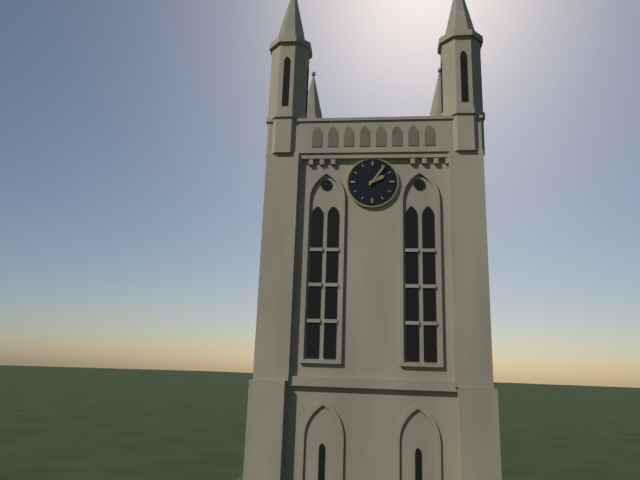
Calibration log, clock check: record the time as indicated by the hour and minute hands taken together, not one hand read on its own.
2:06
